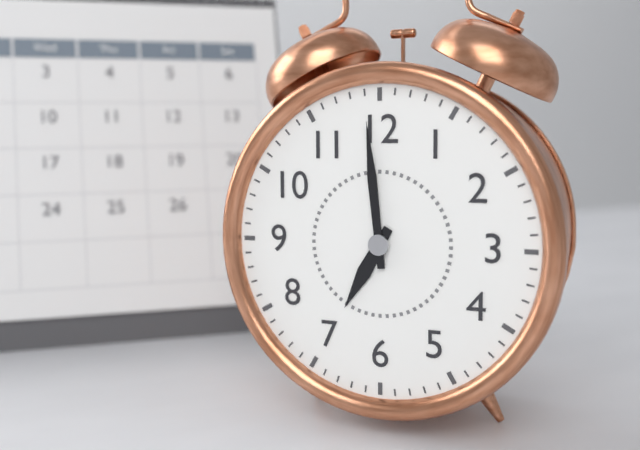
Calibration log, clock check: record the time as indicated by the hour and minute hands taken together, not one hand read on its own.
6:59
